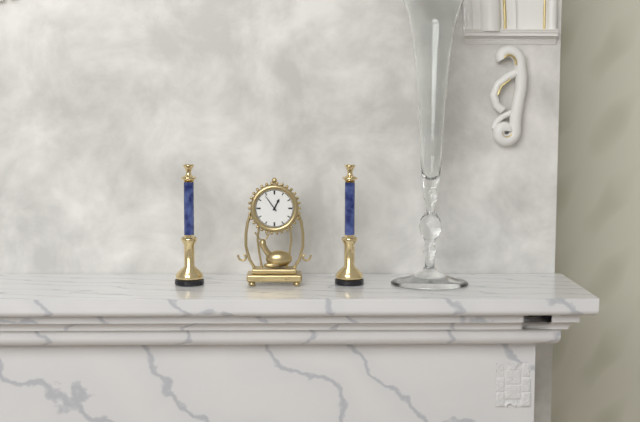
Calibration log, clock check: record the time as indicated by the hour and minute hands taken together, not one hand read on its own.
12:54
